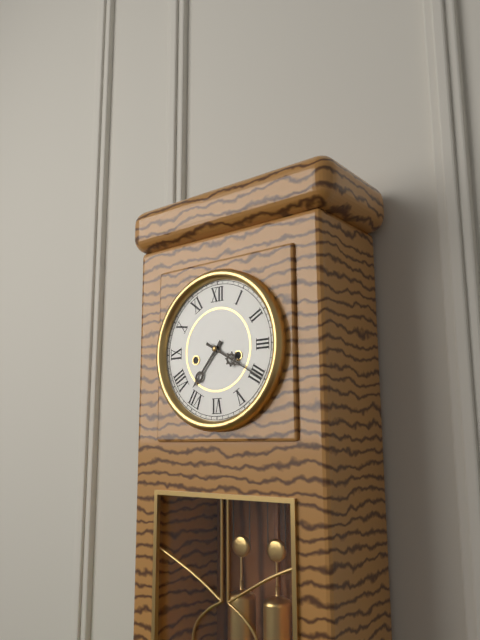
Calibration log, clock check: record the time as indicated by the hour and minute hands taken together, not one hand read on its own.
7:20
